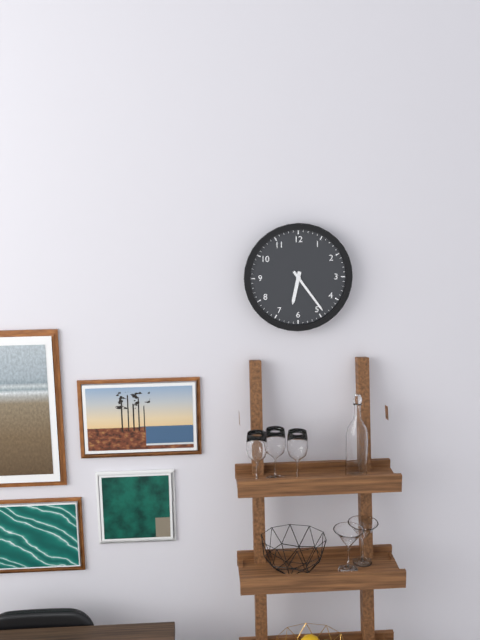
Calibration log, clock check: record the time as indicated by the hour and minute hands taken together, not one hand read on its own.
6:24
